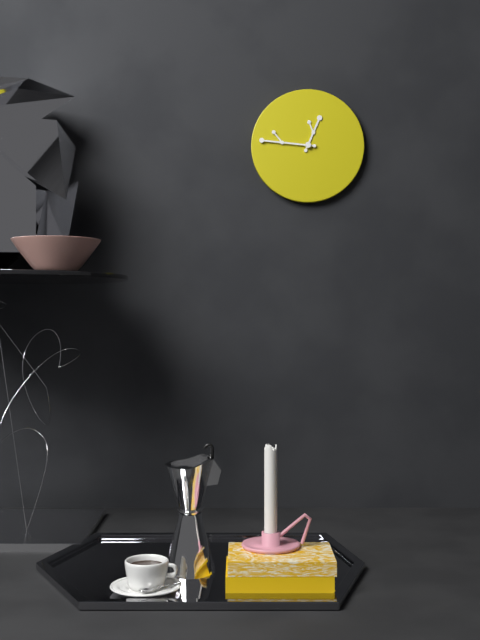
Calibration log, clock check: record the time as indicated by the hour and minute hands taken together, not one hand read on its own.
12:46
